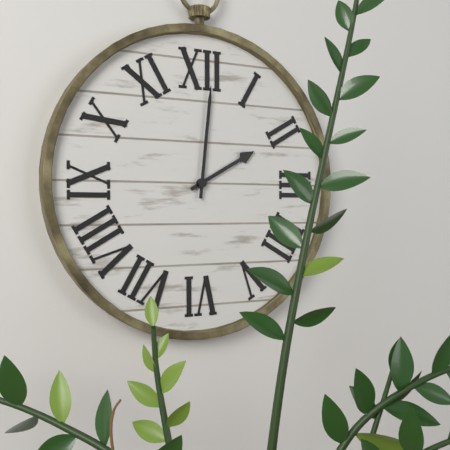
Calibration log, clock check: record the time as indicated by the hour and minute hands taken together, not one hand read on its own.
2:01
